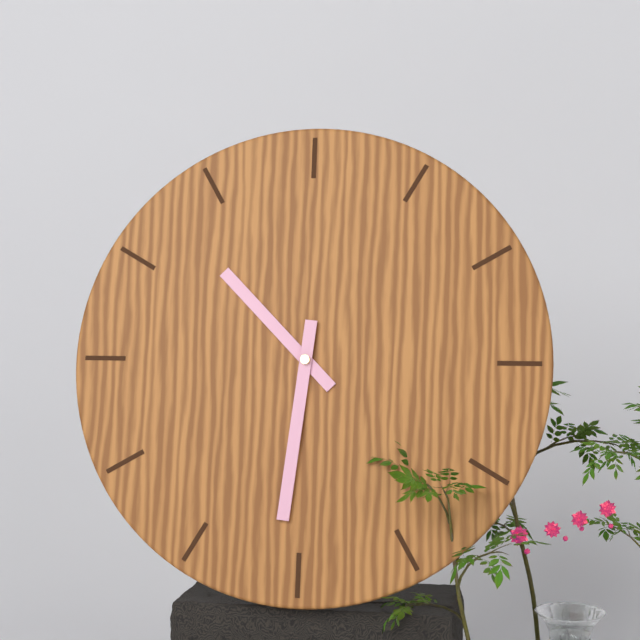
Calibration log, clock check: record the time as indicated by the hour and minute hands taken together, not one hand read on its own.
10:31
